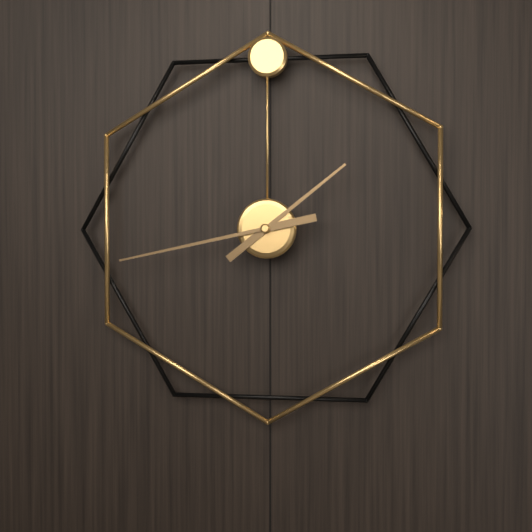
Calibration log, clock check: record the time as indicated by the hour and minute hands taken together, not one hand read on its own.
1:43
